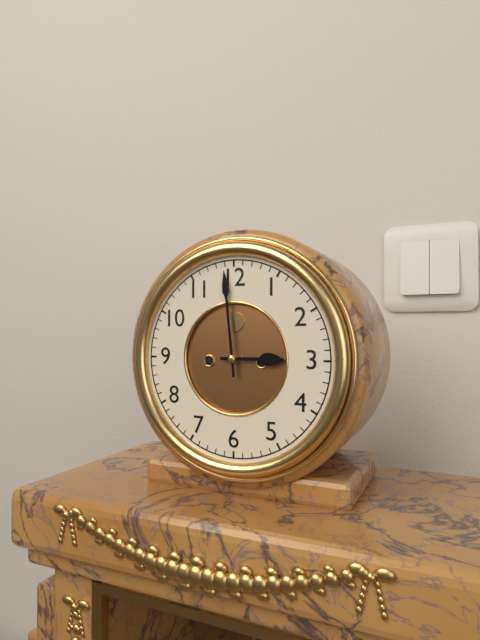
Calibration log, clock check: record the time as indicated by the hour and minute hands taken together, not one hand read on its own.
2:59
